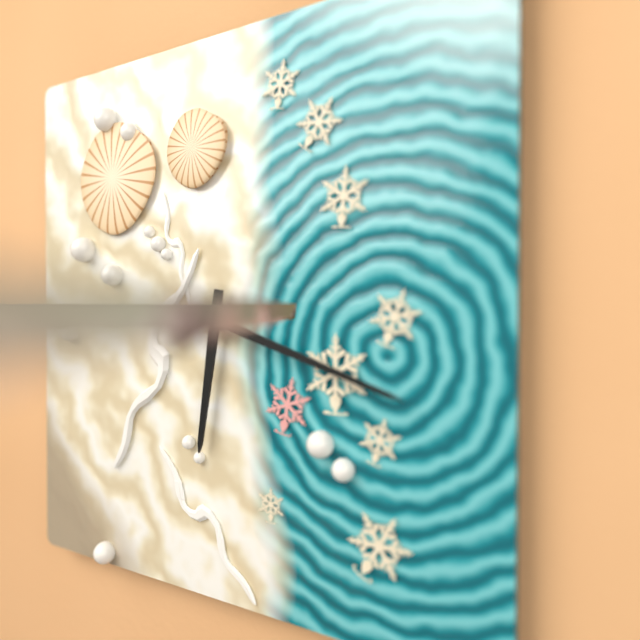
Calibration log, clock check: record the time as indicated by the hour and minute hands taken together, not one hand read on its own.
6:18
